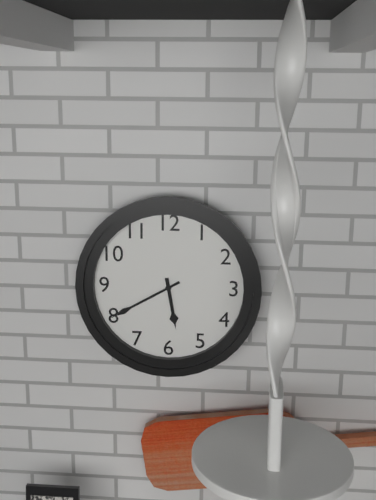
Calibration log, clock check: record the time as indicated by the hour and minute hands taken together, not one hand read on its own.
5:40
